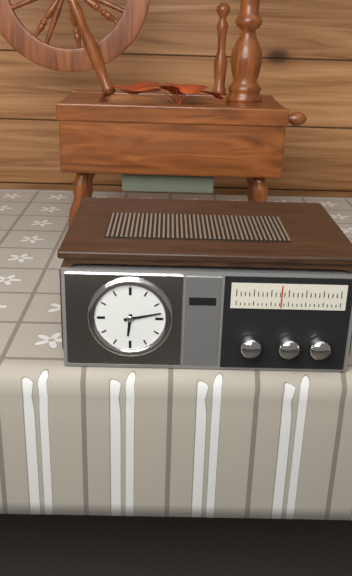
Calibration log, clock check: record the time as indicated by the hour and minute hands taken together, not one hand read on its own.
6:13
